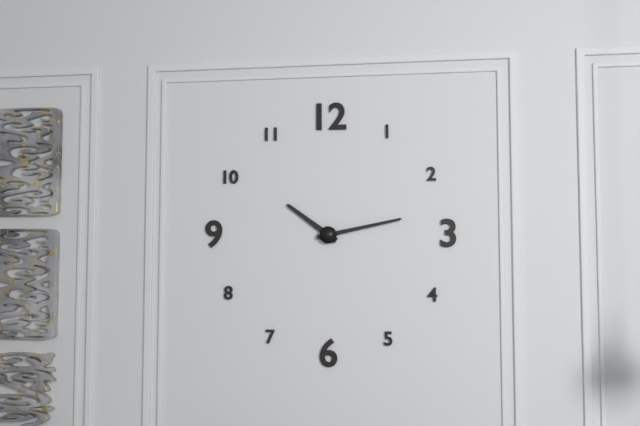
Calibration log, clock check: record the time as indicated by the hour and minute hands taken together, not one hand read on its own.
10:13
